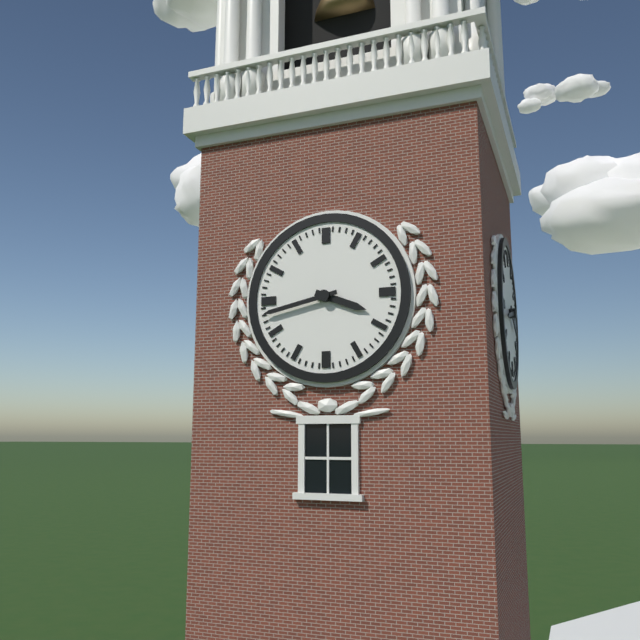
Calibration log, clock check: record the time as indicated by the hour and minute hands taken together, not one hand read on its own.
3:43
